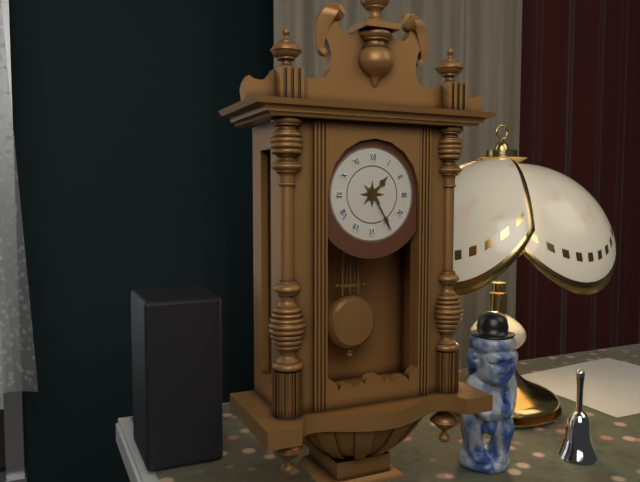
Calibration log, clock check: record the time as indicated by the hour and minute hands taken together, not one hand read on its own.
1:25
